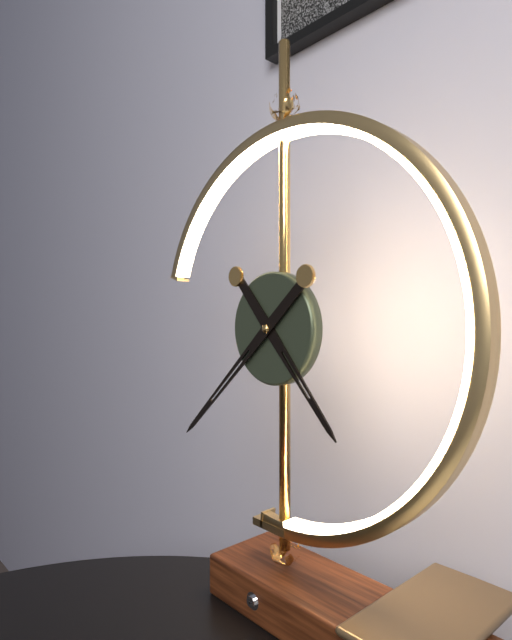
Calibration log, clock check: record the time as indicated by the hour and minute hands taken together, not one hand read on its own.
4:38
